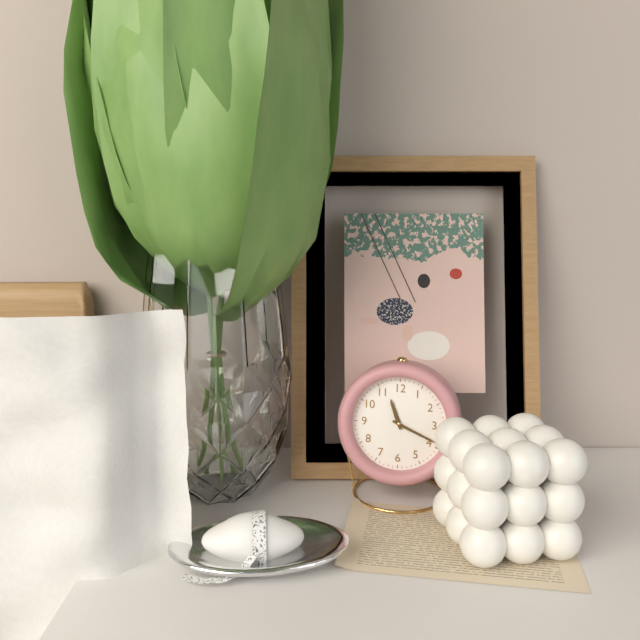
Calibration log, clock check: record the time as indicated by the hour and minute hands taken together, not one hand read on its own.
11:19
